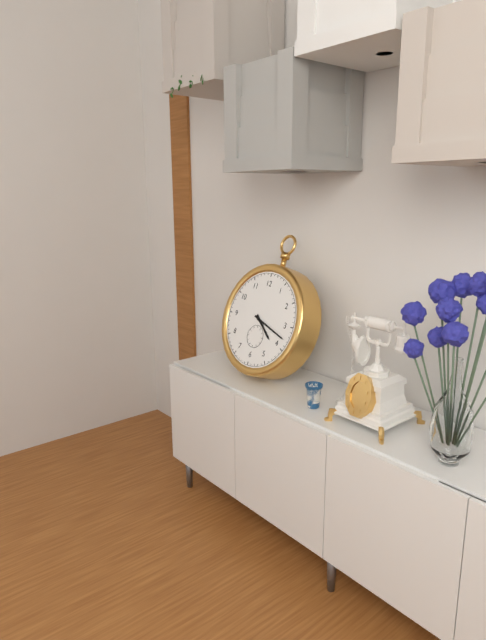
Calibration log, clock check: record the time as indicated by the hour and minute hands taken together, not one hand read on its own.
4:18
